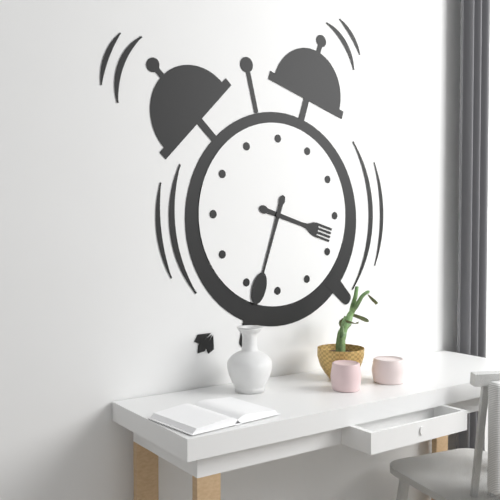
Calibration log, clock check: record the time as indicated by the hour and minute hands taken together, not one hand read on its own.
3:33
